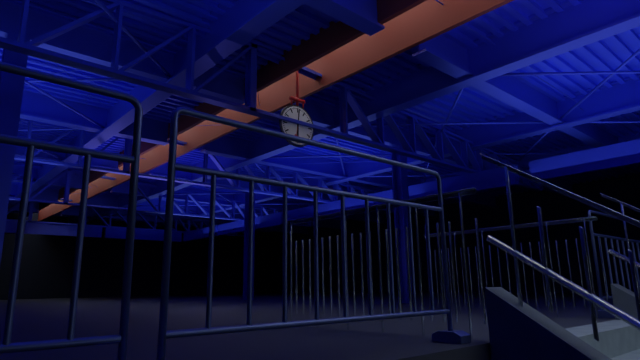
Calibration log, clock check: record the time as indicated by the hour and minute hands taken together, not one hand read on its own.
6:01
